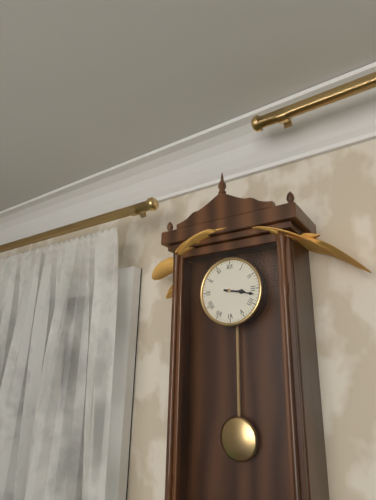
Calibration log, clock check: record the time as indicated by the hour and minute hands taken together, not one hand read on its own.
3:17
